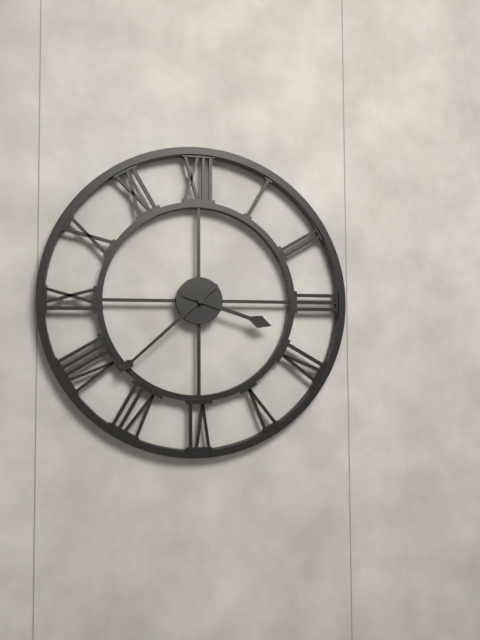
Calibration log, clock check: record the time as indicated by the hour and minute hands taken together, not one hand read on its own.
3:38
